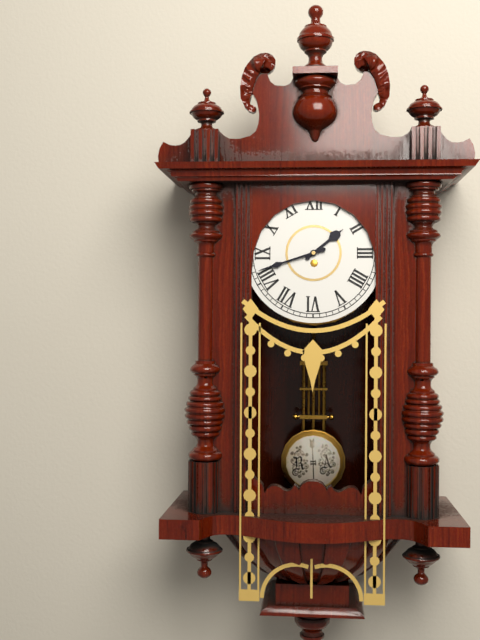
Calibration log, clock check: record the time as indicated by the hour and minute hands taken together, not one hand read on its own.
1:42
